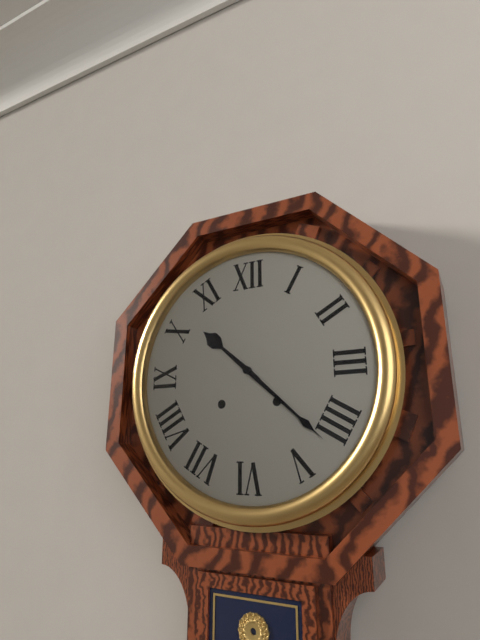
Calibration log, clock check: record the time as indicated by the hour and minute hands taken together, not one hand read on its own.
10:22
